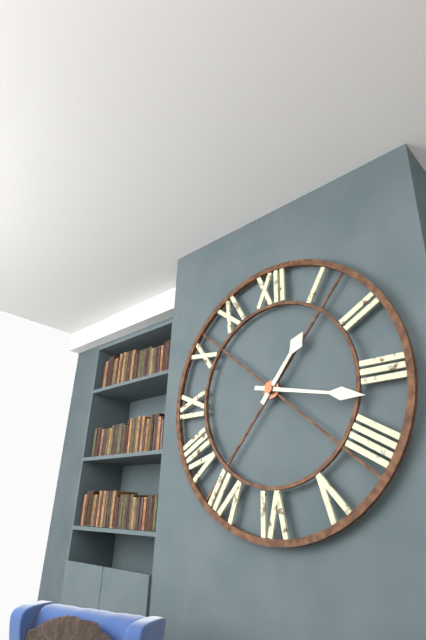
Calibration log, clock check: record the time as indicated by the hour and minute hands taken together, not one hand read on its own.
1:17
